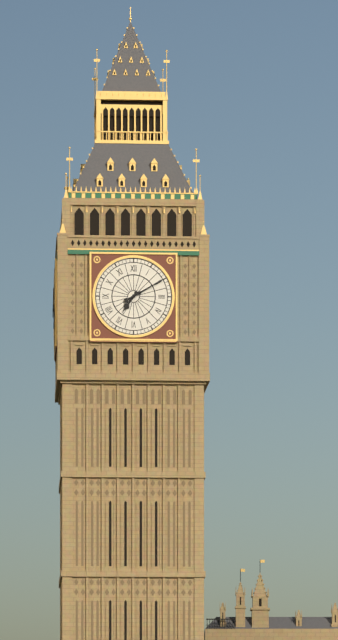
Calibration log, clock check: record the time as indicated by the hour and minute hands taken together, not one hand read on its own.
7:10
